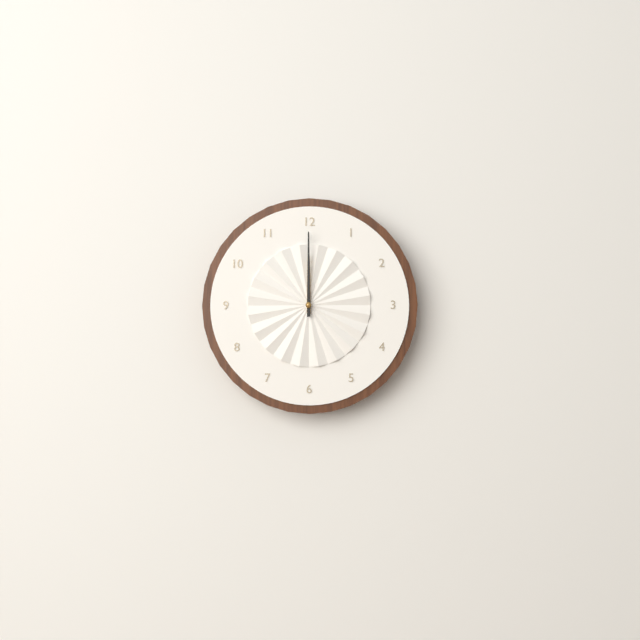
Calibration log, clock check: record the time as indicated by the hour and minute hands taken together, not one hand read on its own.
12:00
